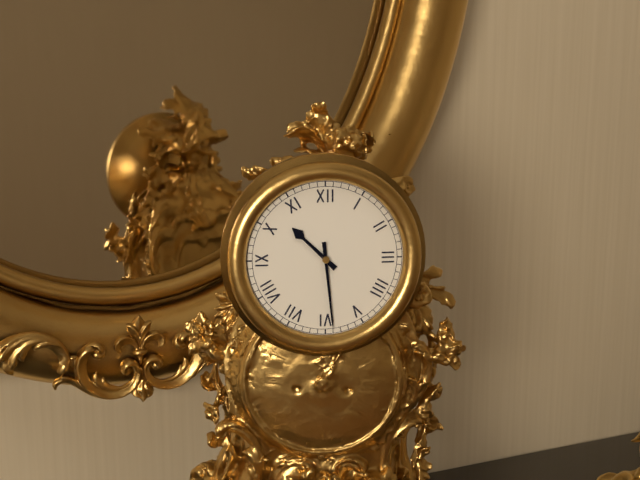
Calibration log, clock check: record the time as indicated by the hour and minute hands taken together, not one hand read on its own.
10:29
